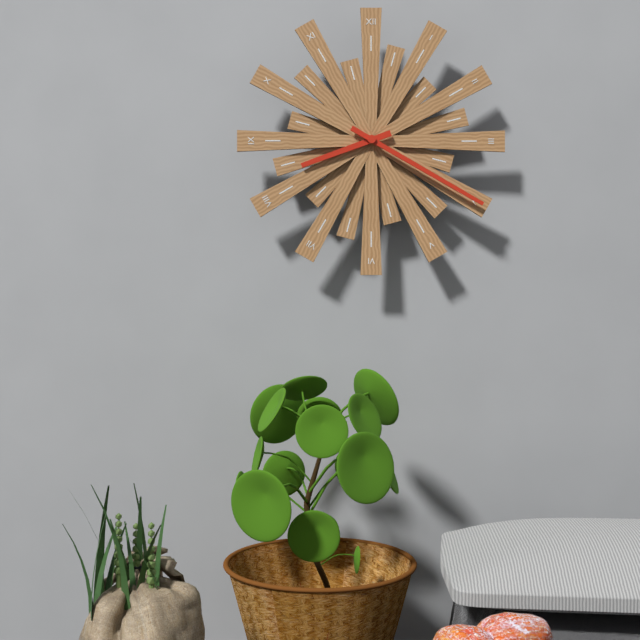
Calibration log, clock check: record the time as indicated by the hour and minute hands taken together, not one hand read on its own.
8:20
